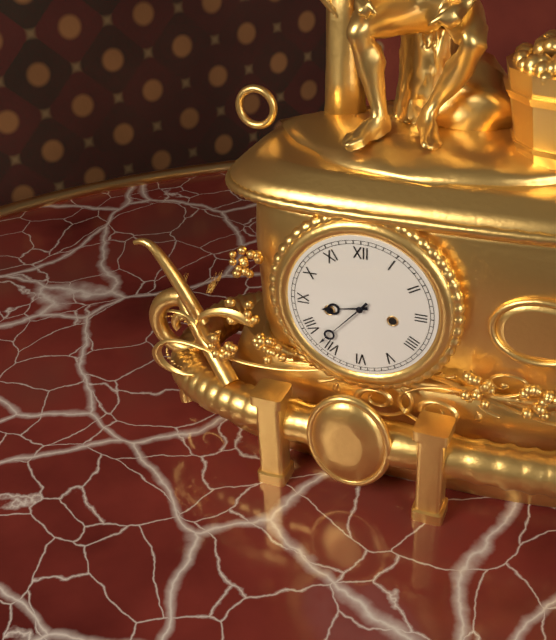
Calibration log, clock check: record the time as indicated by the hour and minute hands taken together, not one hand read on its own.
8:37
